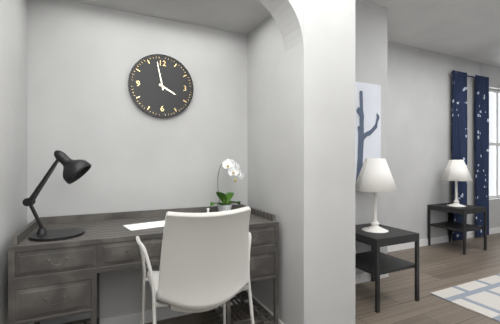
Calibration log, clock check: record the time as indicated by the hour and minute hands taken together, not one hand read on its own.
3:58
